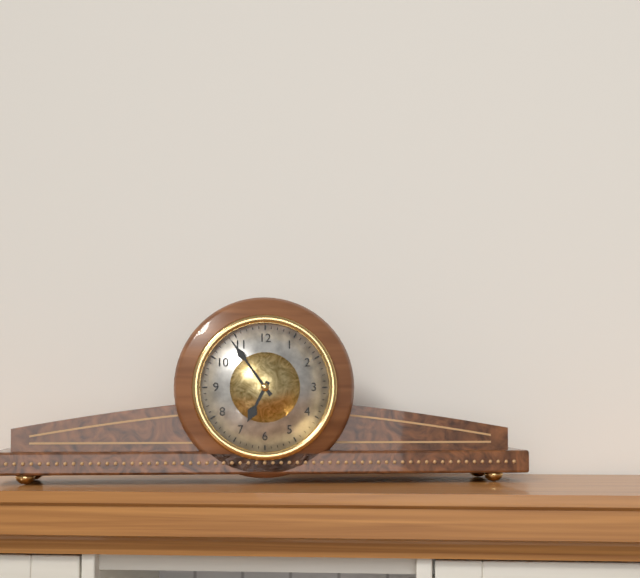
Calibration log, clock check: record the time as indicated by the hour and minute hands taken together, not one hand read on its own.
6:54
